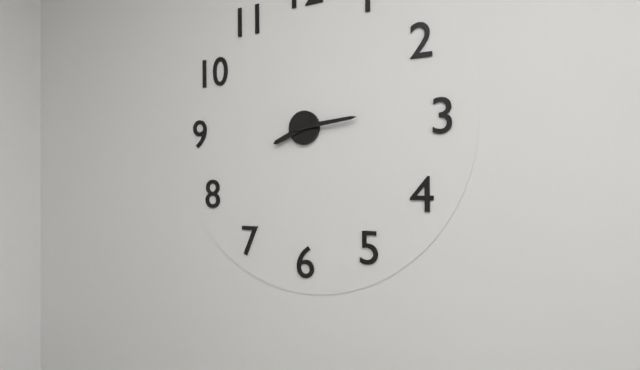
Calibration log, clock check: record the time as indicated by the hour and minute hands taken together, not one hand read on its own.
8:14
